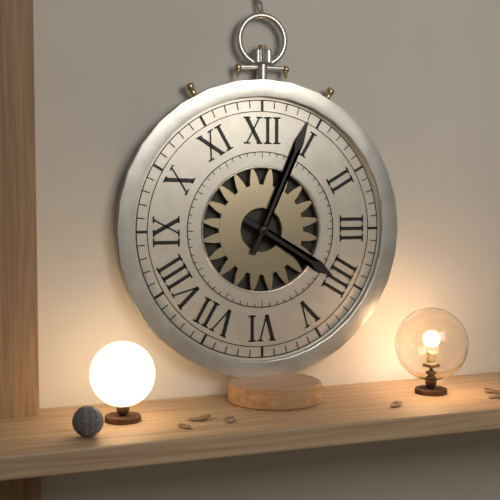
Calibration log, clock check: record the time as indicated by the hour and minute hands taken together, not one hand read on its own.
4:04
